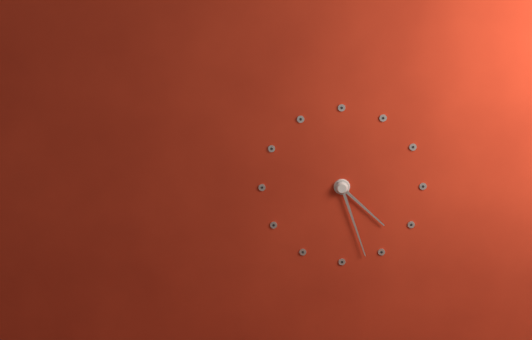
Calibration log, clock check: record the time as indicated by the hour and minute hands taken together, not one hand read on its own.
4:27
